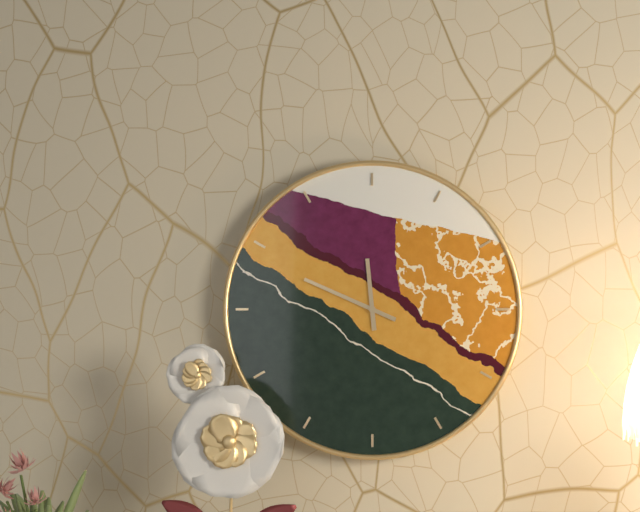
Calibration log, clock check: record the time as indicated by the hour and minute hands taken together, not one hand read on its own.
11:49
